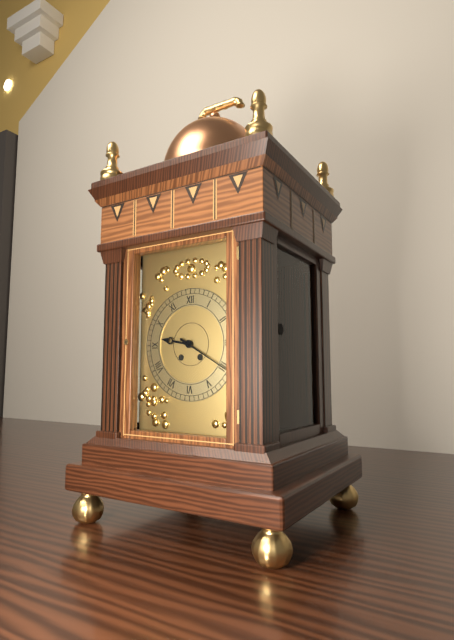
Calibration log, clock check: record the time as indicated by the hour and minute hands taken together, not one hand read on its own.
9:20
